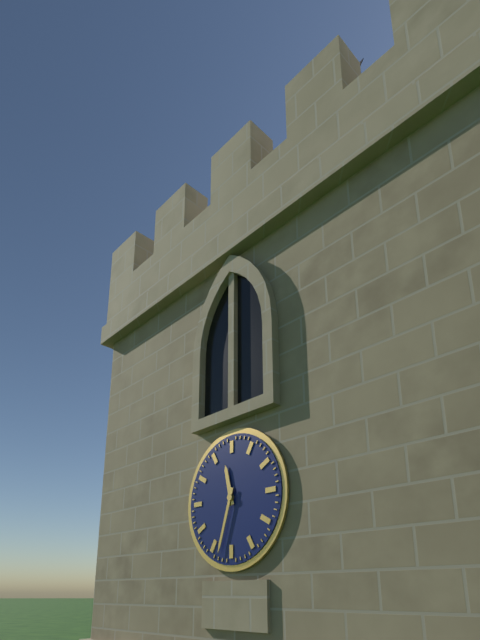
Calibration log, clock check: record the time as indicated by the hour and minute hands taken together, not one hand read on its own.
11:33
